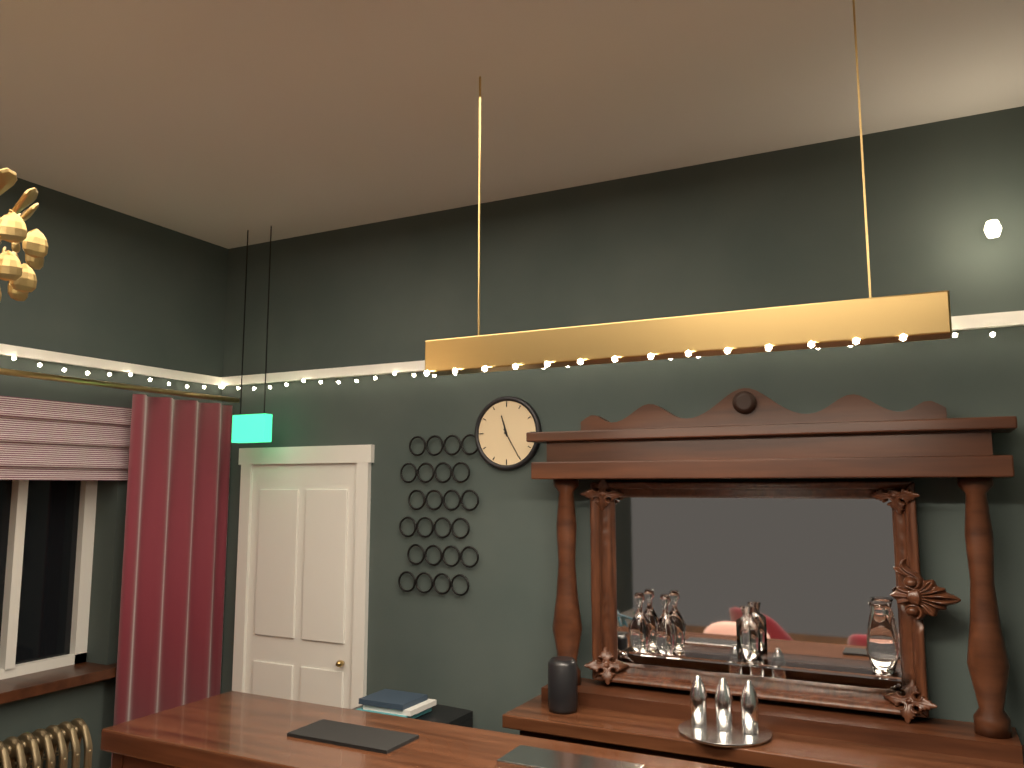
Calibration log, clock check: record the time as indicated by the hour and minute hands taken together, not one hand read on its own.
11:25
